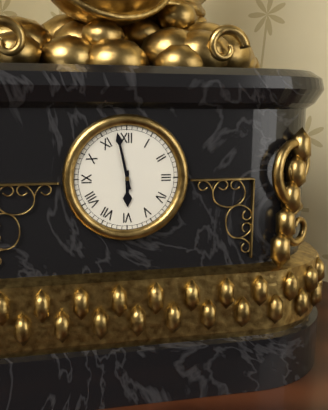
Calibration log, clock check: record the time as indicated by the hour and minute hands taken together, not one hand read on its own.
5:58
